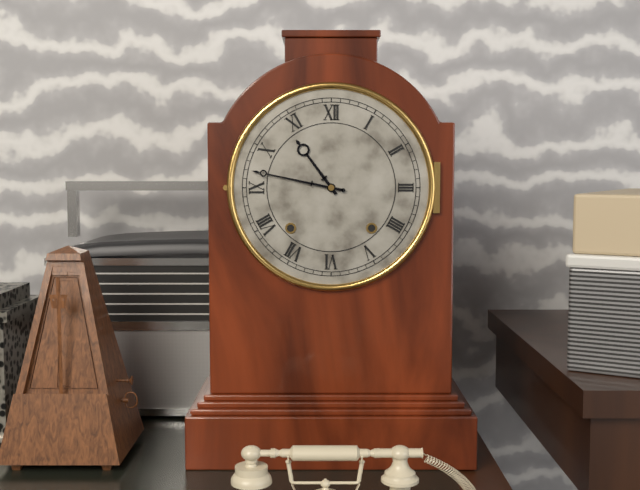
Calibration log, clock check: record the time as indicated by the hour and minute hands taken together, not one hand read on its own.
10:47
